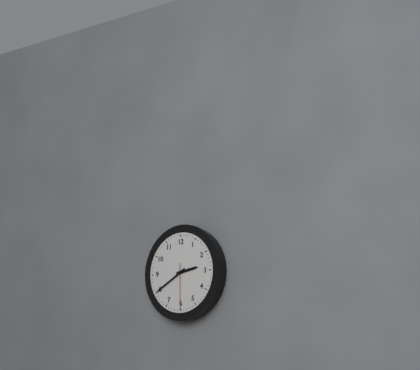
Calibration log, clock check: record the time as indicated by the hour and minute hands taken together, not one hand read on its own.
2:40
